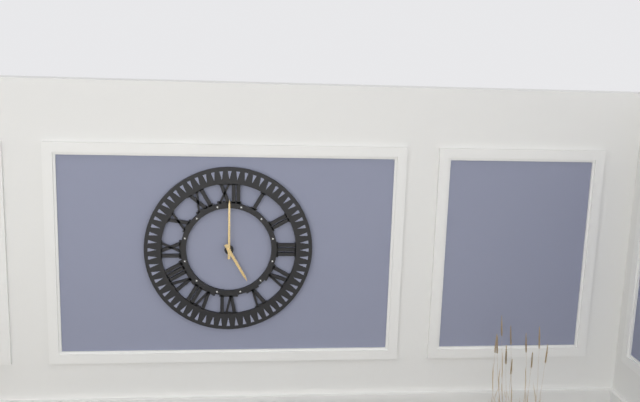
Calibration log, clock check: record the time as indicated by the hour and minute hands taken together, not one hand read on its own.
5:00
